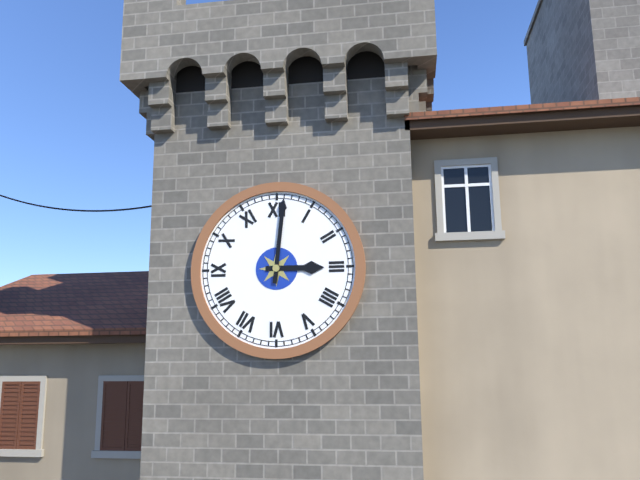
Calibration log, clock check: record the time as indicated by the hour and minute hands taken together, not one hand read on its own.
3:01
